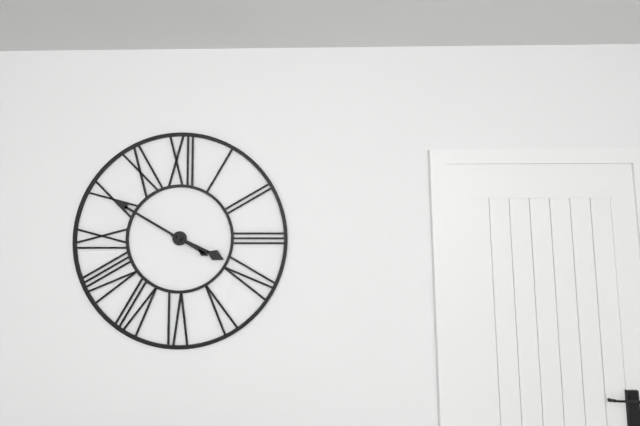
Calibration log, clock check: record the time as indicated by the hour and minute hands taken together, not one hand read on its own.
3:50
